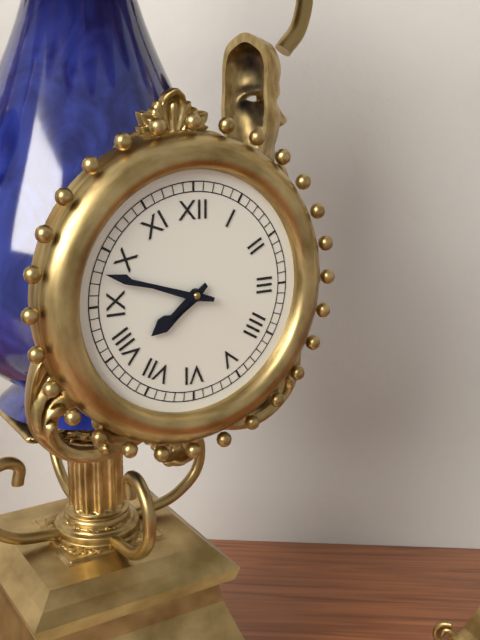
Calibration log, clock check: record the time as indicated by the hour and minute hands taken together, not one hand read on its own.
7:48
